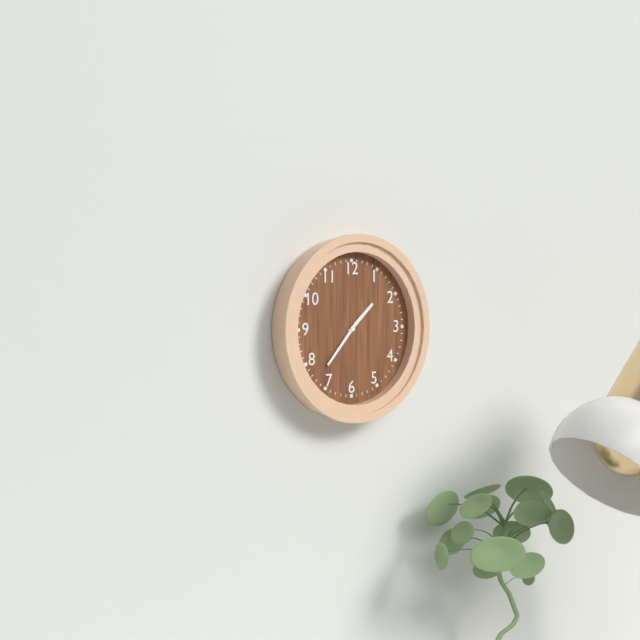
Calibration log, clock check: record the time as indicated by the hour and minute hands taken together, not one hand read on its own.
1:37
